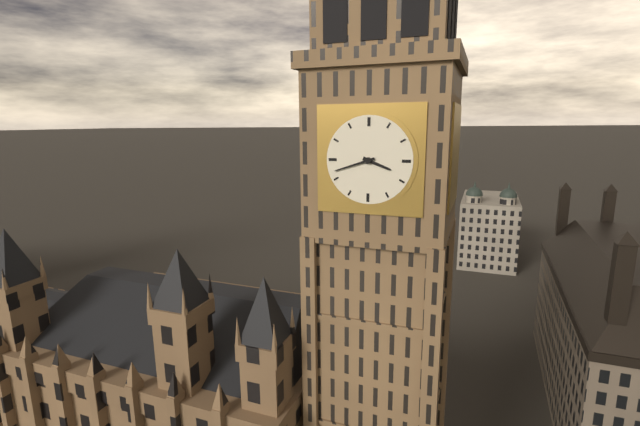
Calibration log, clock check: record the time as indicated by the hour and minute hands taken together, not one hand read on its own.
3:42
